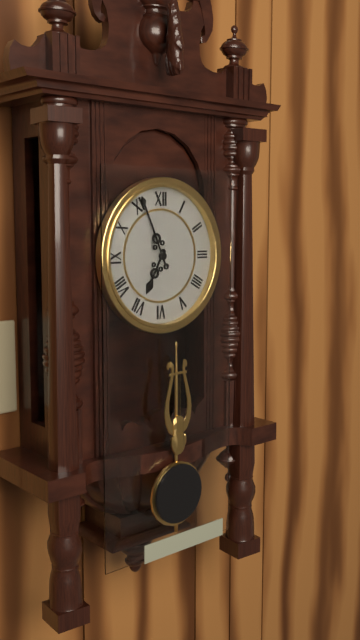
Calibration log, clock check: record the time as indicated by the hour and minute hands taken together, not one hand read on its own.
6:56
